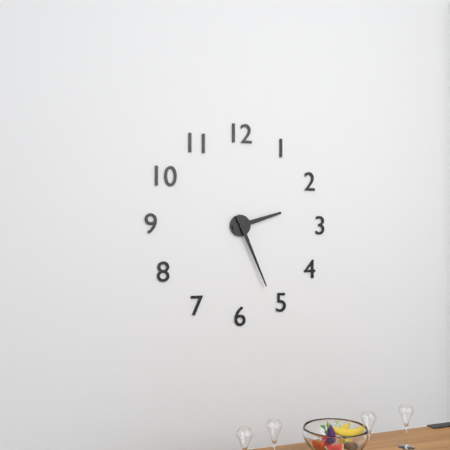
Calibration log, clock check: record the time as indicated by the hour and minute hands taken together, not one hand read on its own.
2:26
